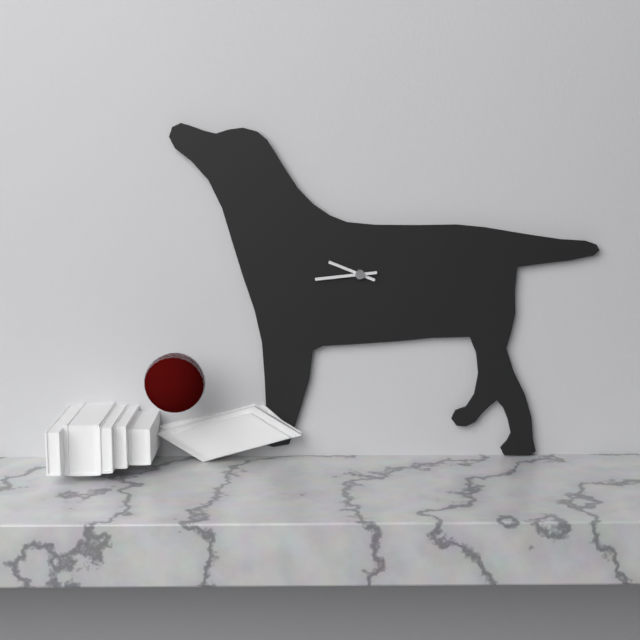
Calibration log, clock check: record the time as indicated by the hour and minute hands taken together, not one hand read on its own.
9:44
